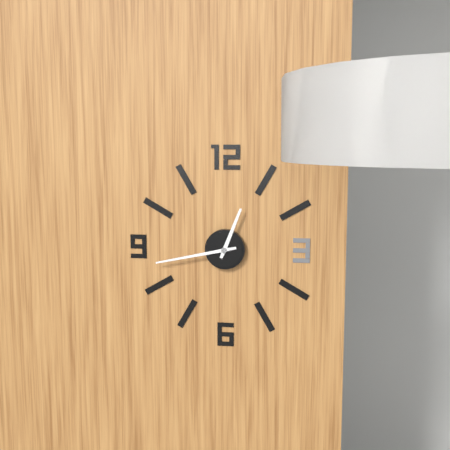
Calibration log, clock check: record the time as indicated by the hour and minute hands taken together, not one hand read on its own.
12:43
